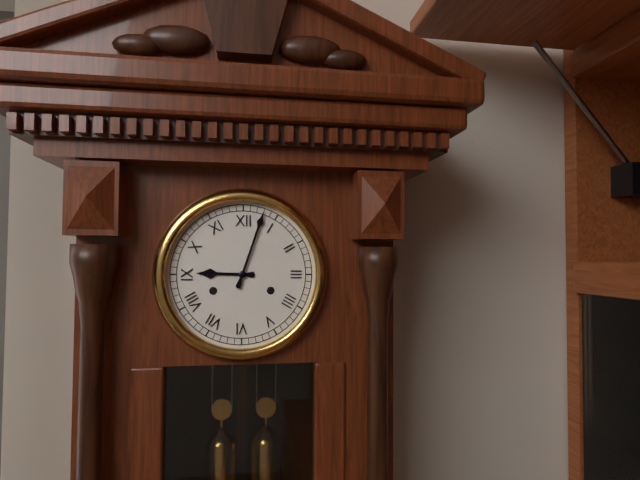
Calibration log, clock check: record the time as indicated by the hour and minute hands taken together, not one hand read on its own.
9:03
